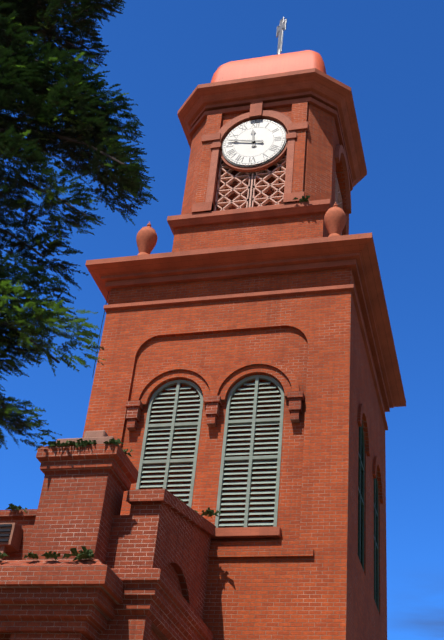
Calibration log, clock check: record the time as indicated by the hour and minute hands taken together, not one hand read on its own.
11:47
